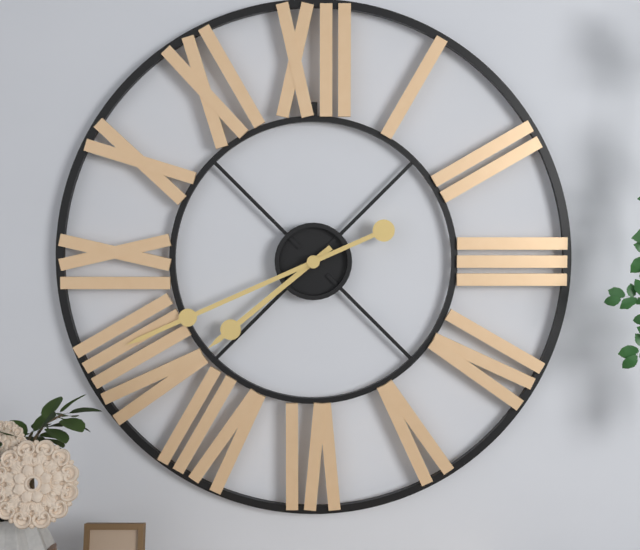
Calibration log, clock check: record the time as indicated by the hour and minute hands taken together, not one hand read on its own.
7:41
